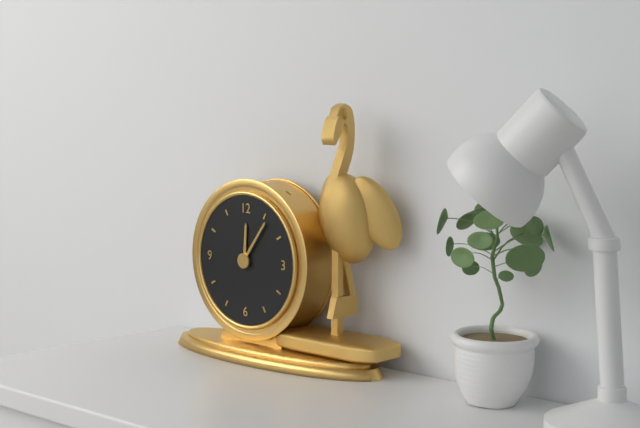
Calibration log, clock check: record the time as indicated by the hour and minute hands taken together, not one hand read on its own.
12:06
